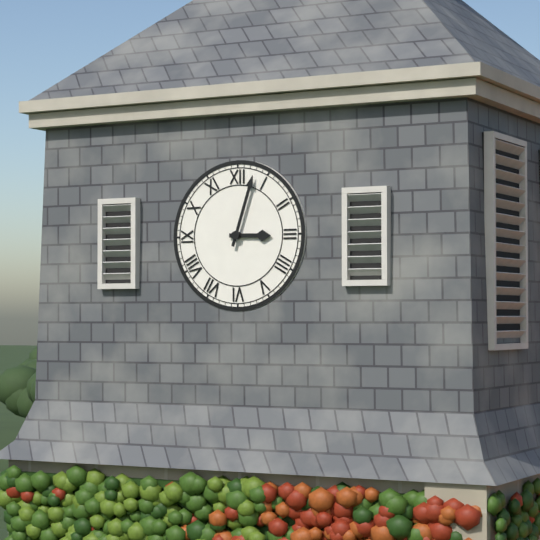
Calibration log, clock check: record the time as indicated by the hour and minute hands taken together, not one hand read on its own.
3:03
